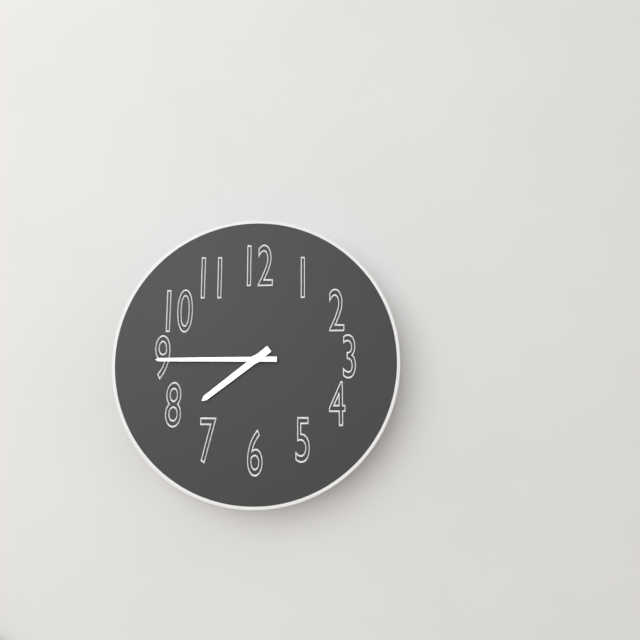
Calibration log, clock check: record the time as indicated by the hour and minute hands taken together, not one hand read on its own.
7:45
